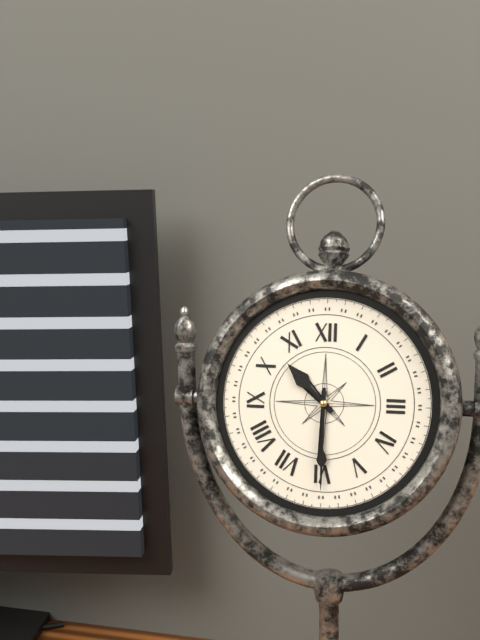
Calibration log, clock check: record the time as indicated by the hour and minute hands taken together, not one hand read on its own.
10:30
